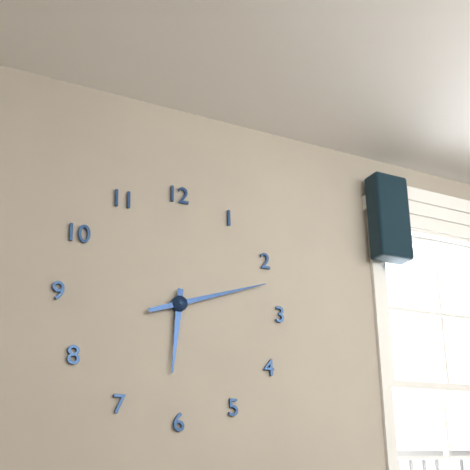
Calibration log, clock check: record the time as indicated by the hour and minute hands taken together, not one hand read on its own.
6:12
